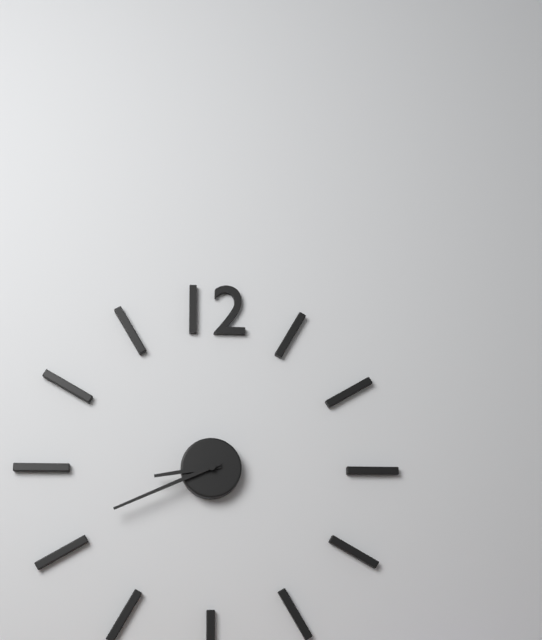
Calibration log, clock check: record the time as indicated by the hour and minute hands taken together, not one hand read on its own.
8:41
